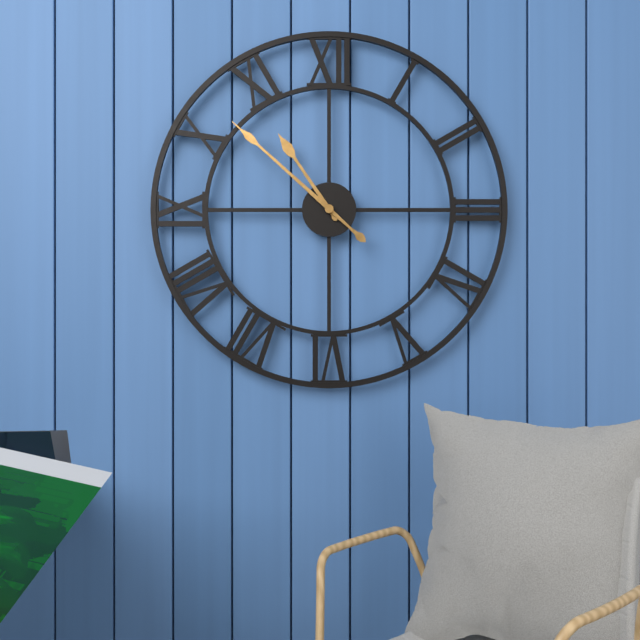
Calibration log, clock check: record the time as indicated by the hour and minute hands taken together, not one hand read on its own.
10:52
